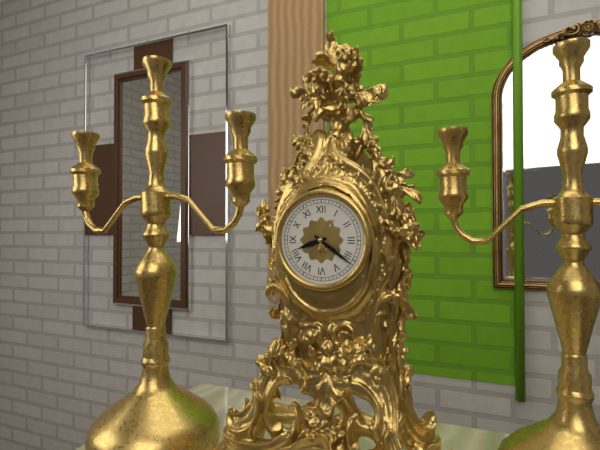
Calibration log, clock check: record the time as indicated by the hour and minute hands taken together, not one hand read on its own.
8:21
